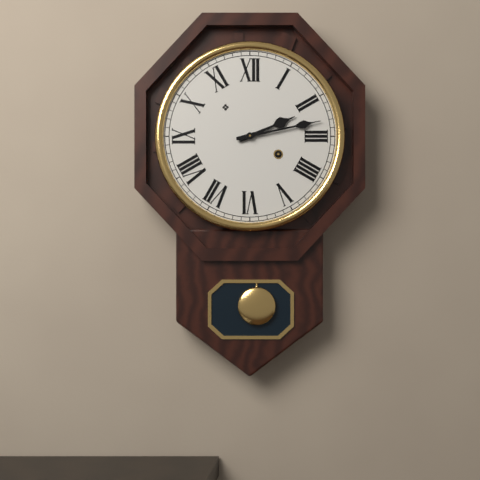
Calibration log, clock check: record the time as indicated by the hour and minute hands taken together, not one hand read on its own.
2:13
